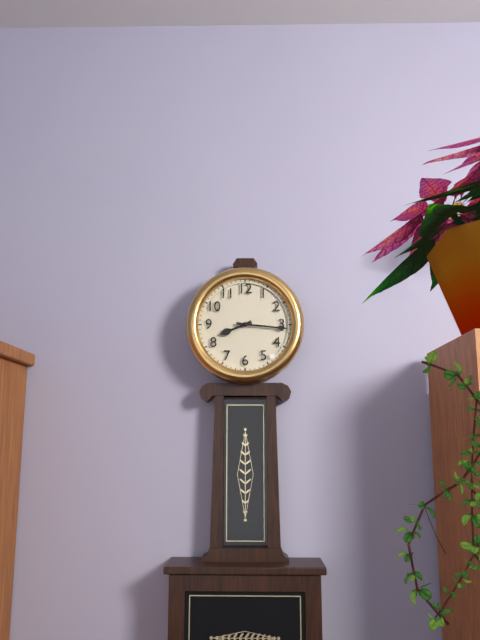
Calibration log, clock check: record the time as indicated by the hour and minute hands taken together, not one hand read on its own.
8:16
